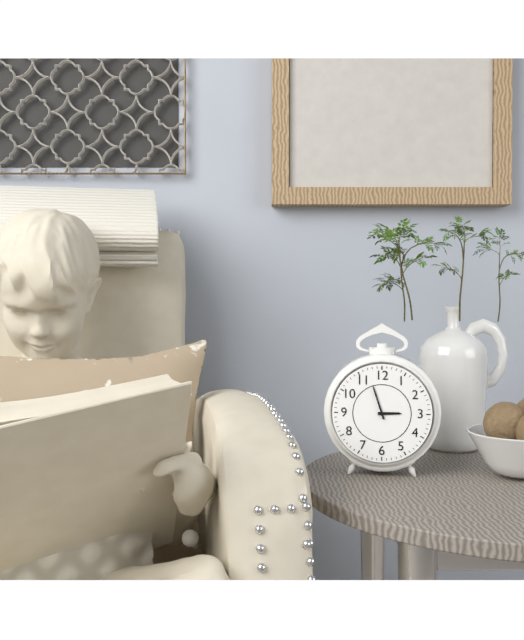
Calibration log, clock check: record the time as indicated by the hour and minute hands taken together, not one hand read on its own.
2:57
